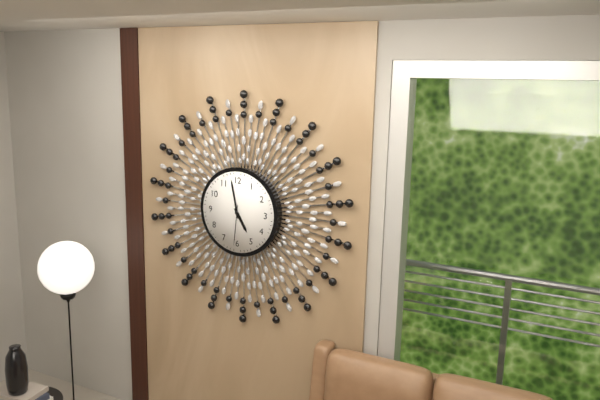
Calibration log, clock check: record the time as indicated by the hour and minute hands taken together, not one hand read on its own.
4:58
